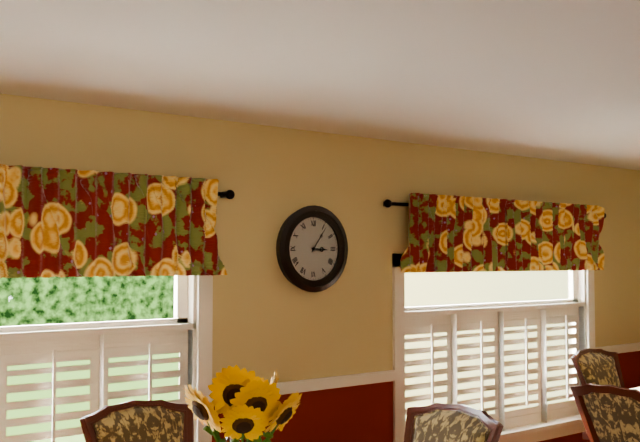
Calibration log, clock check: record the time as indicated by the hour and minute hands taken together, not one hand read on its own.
3:06
